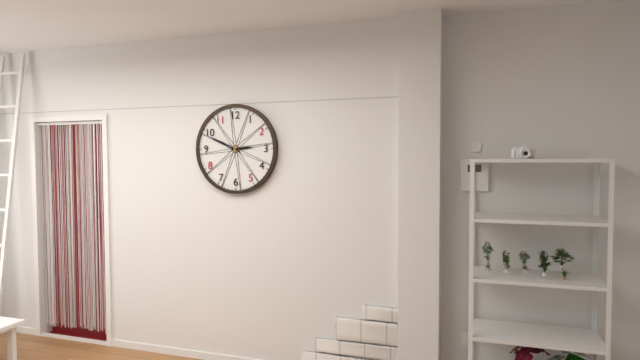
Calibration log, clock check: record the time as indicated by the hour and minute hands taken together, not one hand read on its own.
2:49
